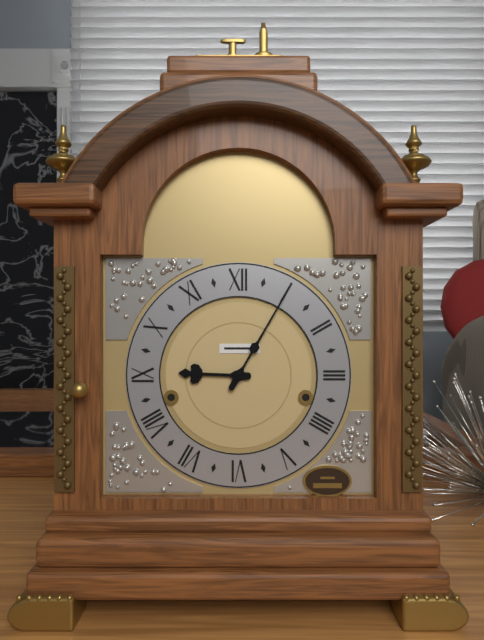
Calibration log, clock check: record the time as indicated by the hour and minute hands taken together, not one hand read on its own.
9:05
